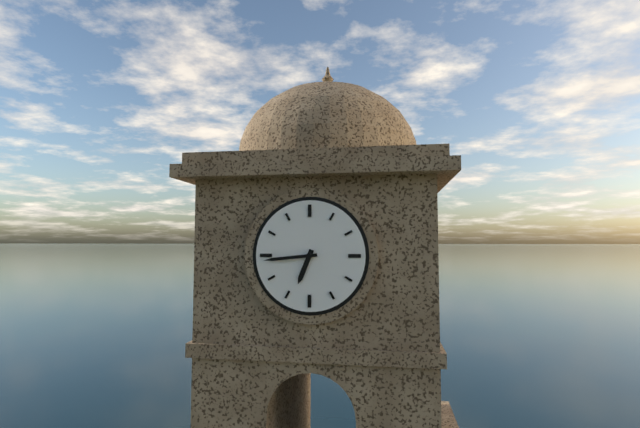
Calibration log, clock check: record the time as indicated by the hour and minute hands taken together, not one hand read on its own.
6:44
